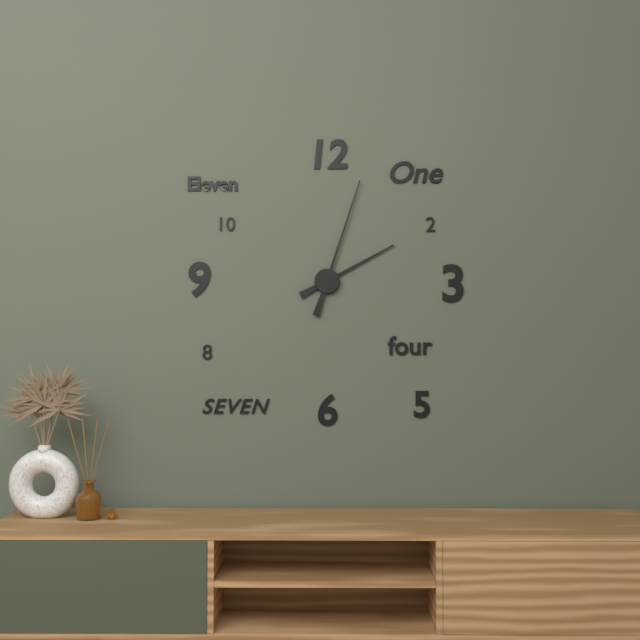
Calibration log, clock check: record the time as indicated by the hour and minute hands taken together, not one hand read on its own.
2:03
